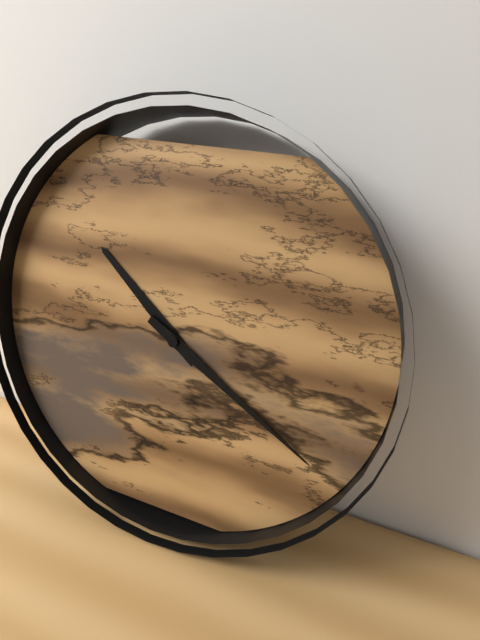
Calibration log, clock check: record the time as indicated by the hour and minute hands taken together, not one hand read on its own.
10:20
